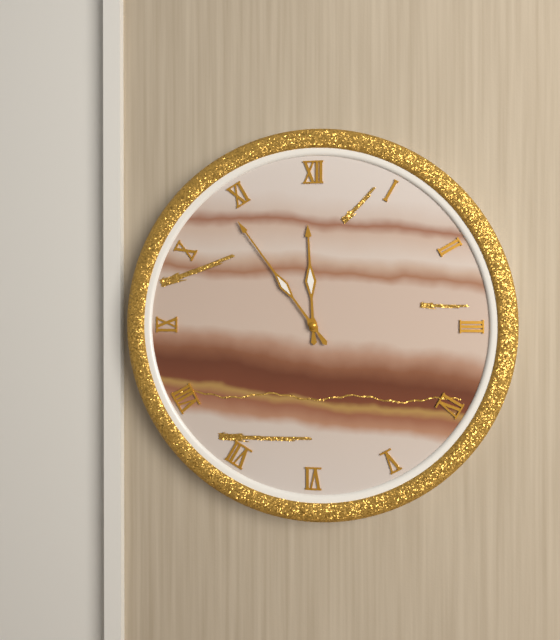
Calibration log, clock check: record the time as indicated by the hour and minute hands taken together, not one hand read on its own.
11:54
